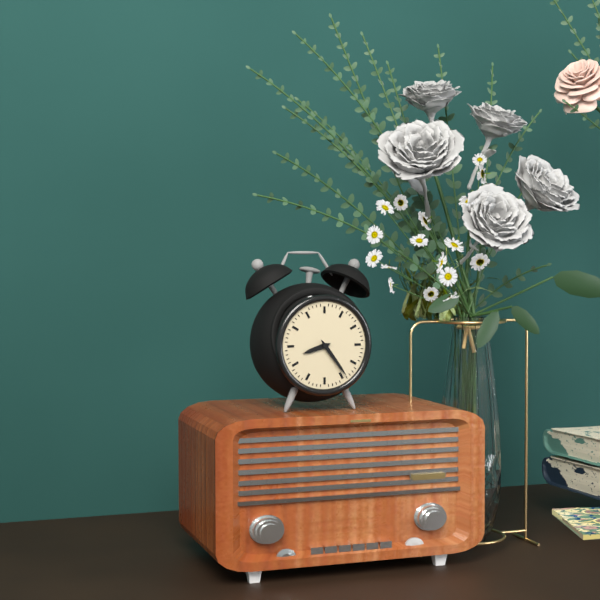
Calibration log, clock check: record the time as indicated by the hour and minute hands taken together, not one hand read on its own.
8:24
